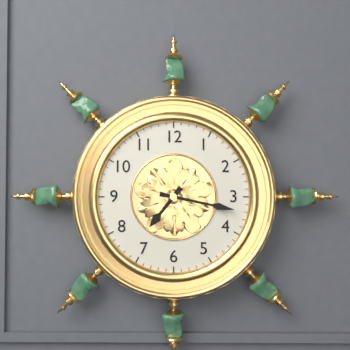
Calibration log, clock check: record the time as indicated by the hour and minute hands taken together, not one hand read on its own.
7:17
